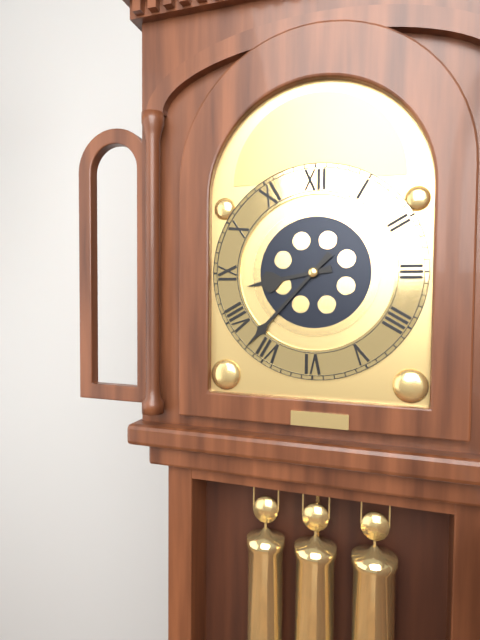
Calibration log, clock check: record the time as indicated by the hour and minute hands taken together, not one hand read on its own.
8:37
